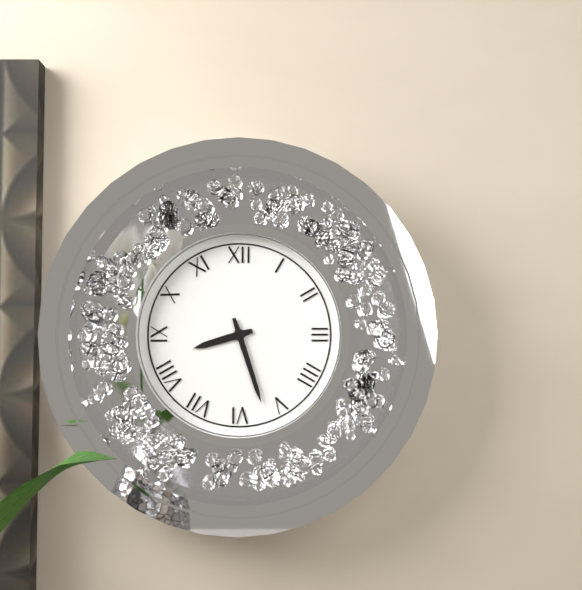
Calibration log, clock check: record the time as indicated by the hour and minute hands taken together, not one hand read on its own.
8:27
